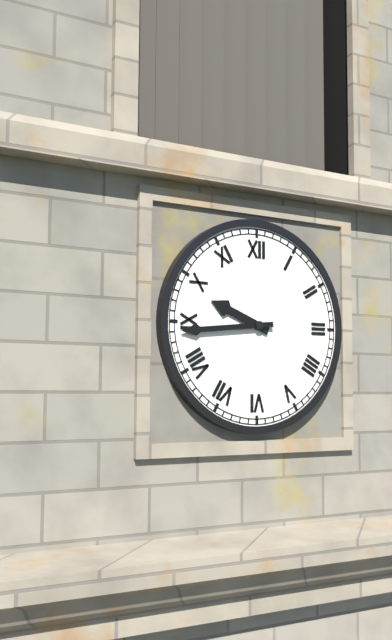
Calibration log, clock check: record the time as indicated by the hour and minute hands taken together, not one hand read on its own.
9:44
